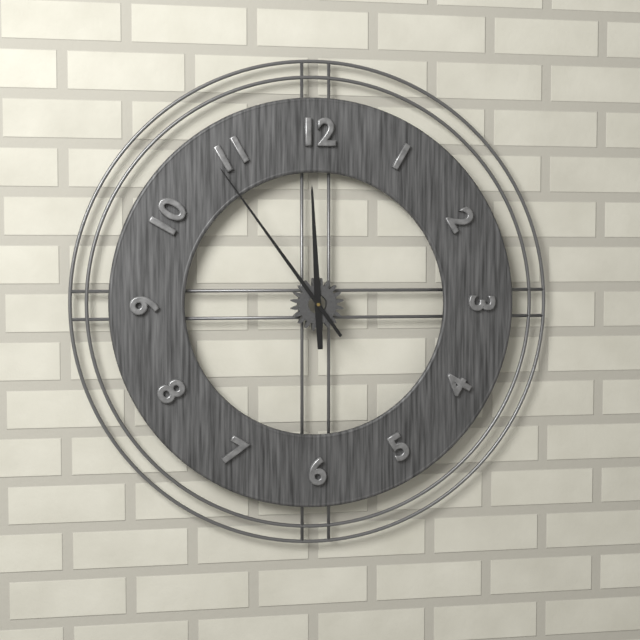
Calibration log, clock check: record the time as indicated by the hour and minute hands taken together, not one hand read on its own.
11:54
